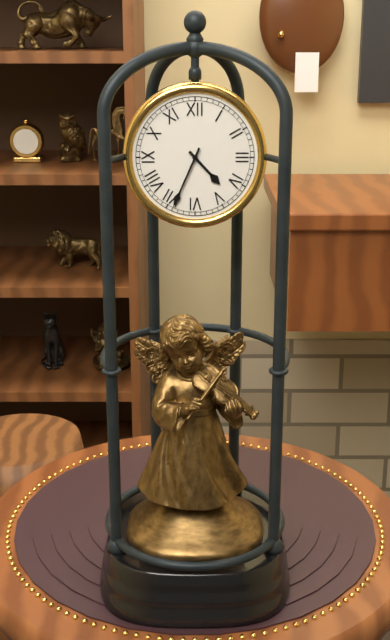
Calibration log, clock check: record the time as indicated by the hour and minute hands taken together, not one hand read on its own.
4:34
